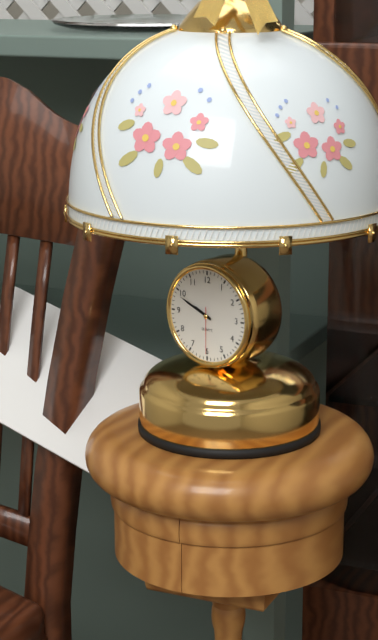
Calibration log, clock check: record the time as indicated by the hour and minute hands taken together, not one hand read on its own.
9:49
